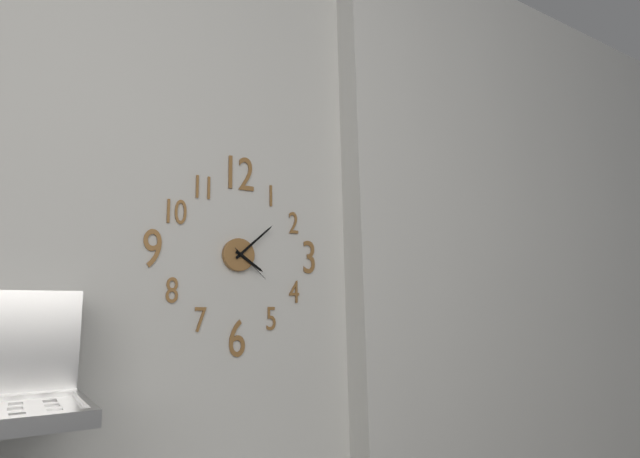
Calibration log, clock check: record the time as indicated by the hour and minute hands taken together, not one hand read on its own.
4:08
